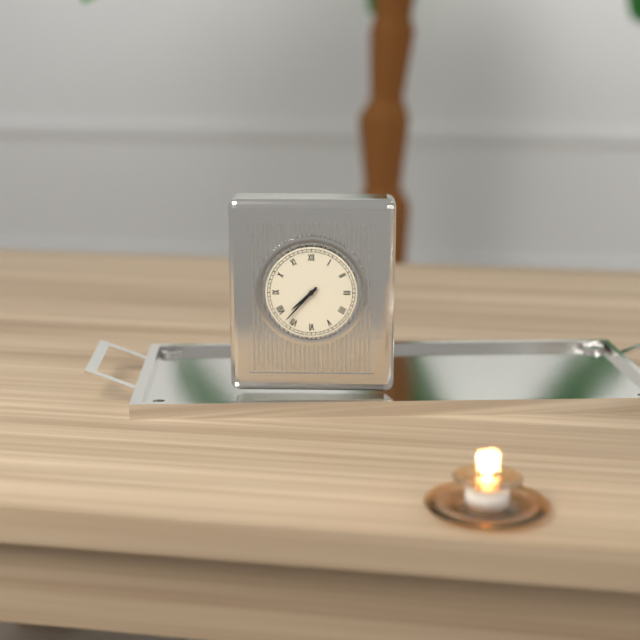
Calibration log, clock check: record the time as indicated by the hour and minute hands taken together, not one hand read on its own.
7:37
